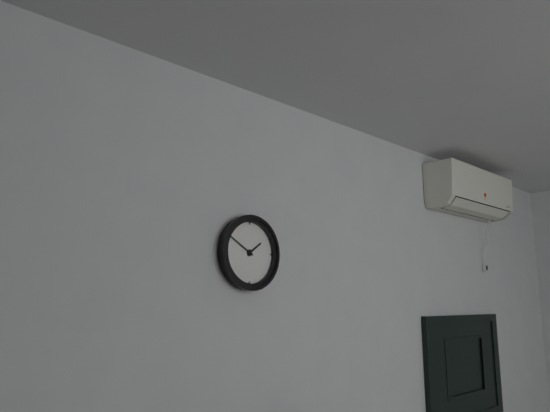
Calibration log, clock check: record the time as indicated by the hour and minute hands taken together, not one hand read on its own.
1:50
